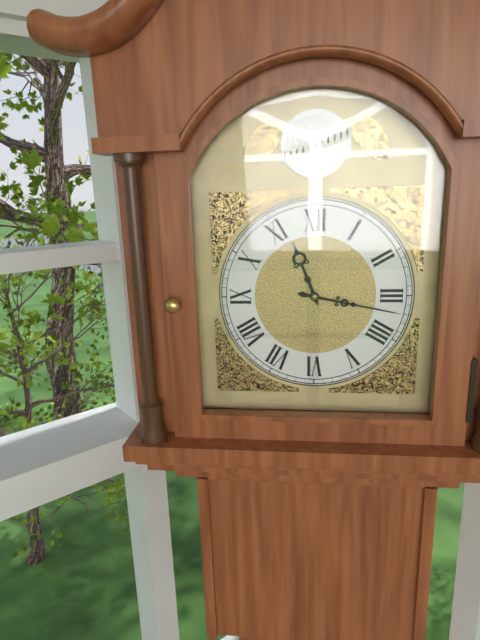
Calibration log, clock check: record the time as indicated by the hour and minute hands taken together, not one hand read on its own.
11:17
